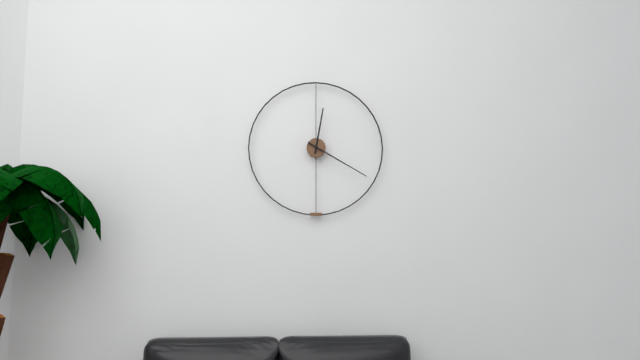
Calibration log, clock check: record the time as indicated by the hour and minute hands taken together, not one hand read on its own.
12:20
